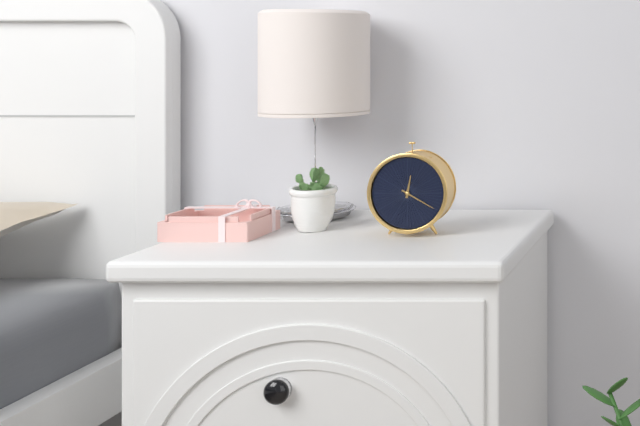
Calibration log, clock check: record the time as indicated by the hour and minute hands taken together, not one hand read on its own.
12:20
